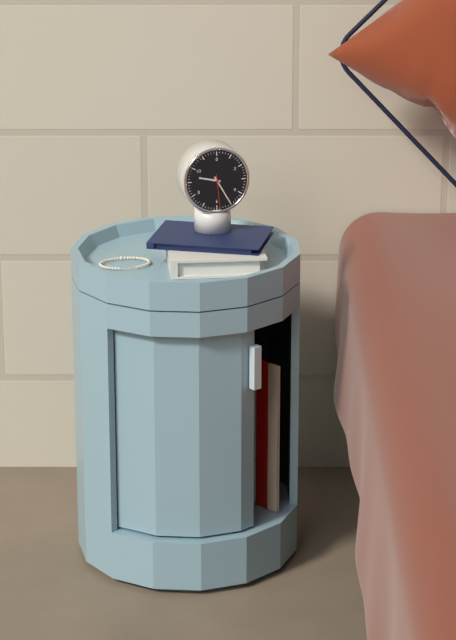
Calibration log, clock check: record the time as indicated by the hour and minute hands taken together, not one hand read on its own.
9:25
